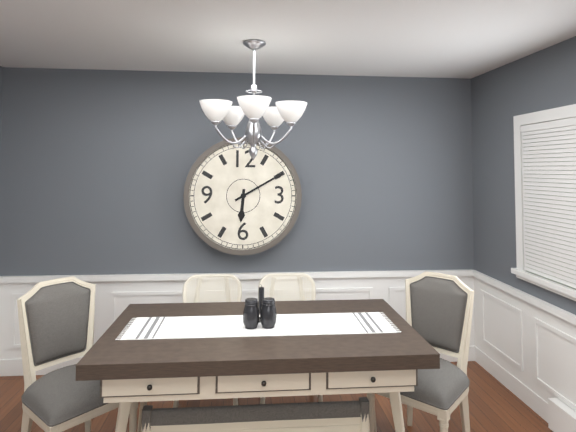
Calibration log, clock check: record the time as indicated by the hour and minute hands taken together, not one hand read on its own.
6:10
